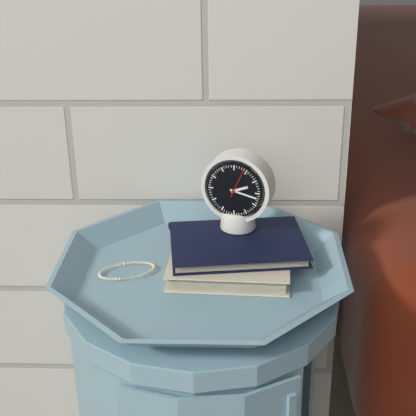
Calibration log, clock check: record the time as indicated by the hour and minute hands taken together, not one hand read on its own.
2:17
